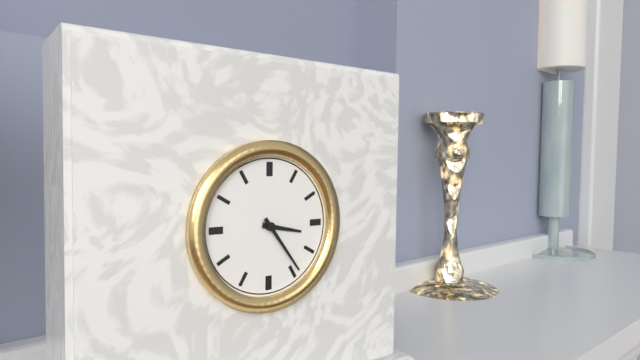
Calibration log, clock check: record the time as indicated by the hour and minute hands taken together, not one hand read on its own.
3:24
